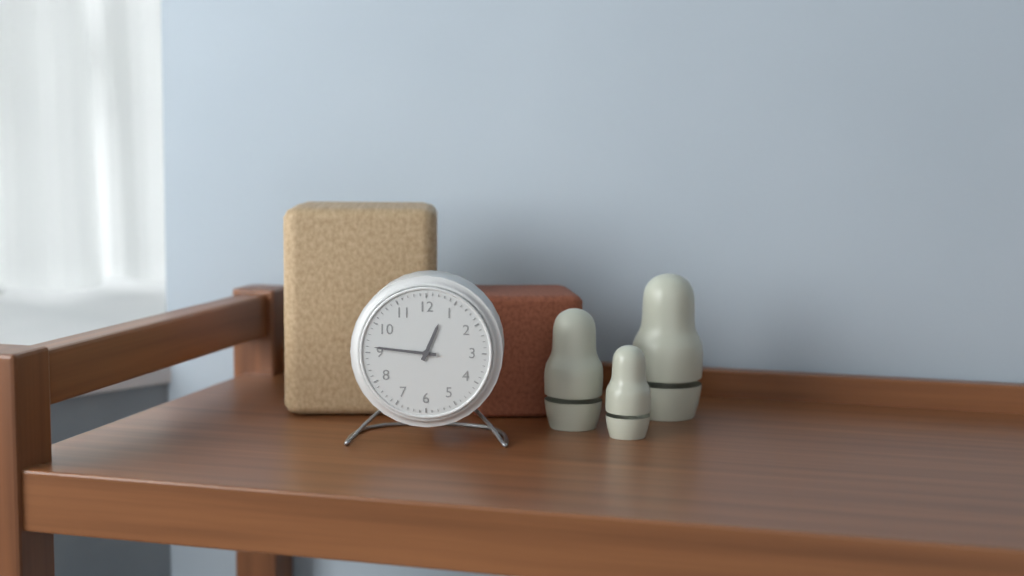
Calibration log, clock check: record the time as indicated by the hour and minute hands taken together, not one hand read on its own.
12:46
